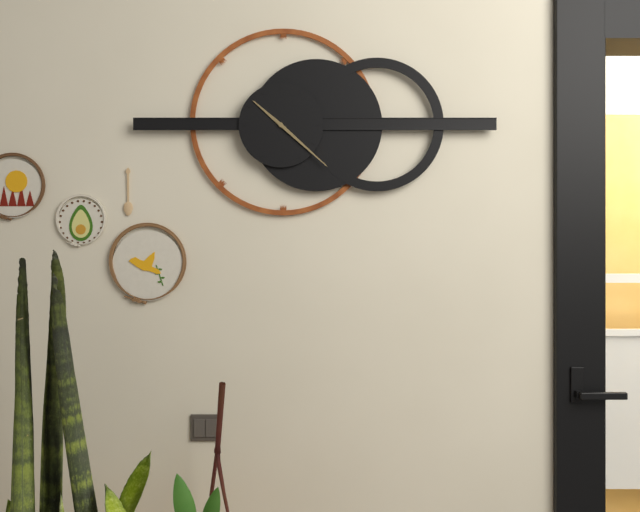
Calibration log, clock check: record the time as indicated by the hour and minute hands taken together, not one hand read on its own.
10:22
